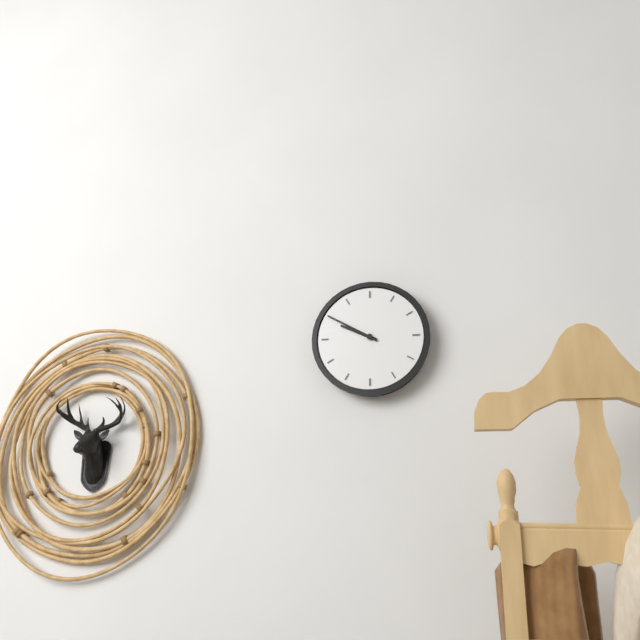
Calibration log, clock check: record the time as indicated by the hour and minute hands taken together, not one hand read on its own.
9:50
